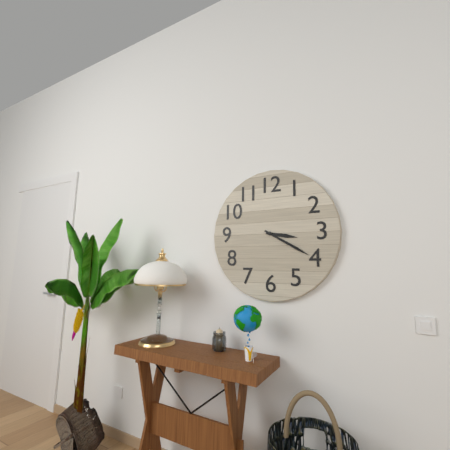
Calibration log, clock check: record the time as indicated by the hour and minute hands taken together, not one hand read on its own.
3:20
